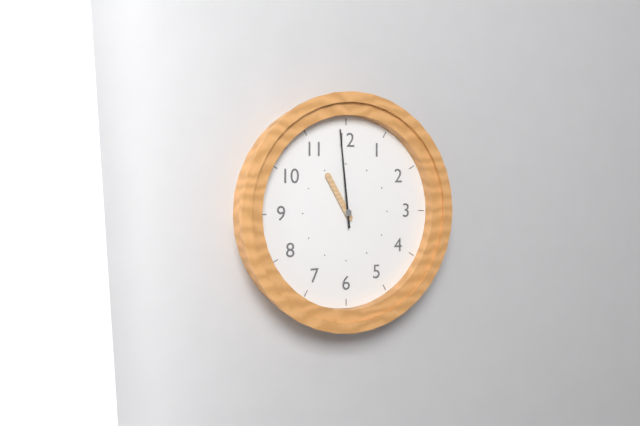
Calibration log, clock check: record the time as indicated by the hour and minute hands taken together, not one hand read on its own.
10:59
